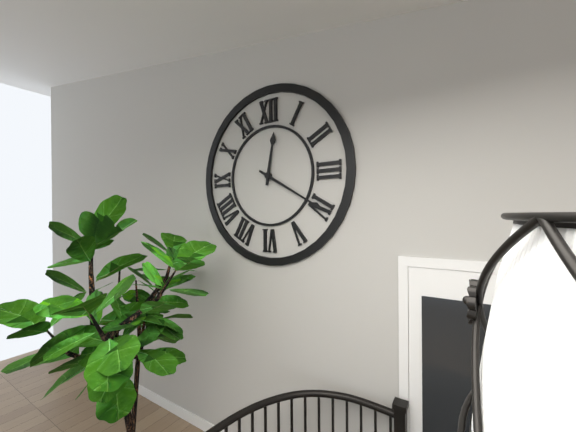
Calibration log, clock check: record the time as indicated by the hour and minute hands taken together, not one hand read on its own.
12:20
